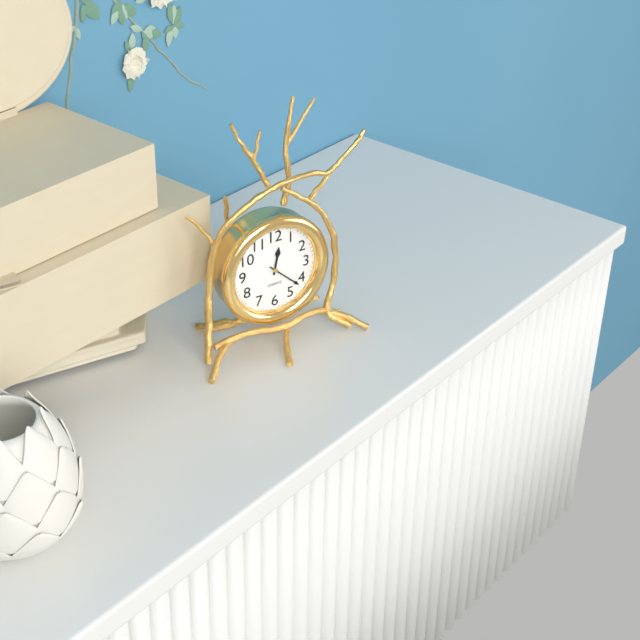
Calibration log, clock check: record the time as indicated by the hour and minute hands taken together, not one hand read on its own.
12:22
